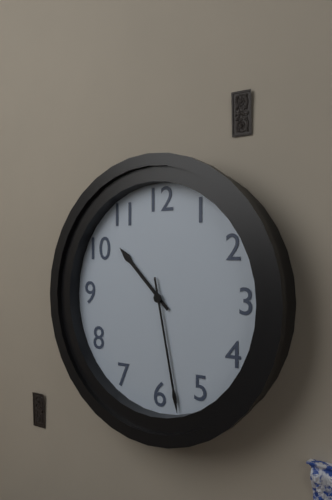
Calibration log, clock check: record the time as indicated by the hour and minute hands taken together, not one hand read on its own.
10:28
